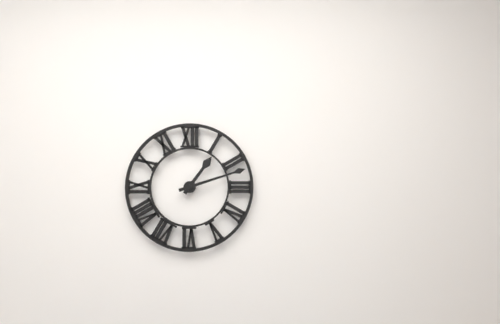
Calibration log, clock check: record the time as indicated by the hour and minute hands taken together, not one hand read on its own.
1:12
